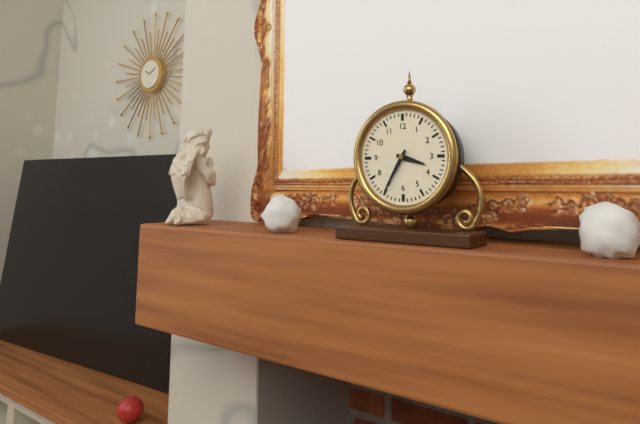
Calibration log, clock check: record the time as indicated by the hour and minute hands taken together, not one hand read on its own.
3:35
